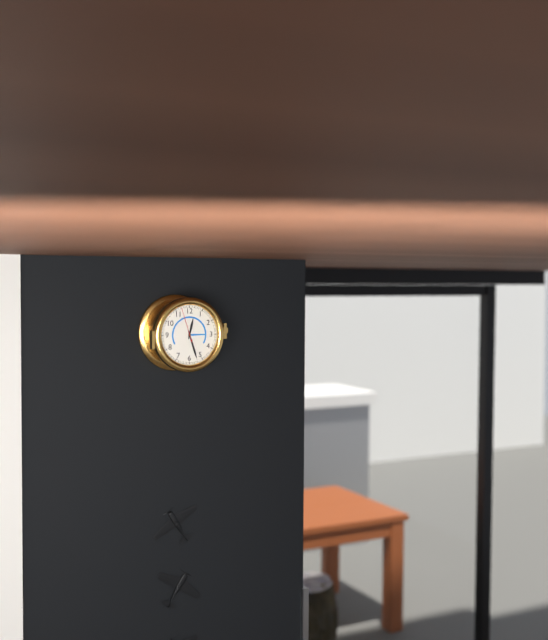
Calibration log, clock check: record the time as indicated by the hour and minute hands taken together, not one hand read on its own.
12:27
